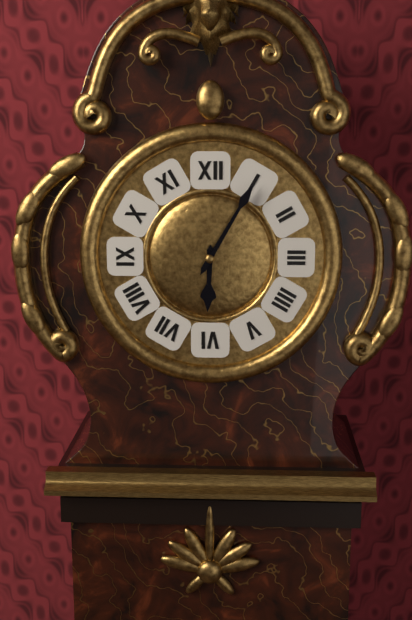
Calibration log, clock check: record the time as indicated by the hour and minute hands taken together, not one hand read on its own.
6:05
